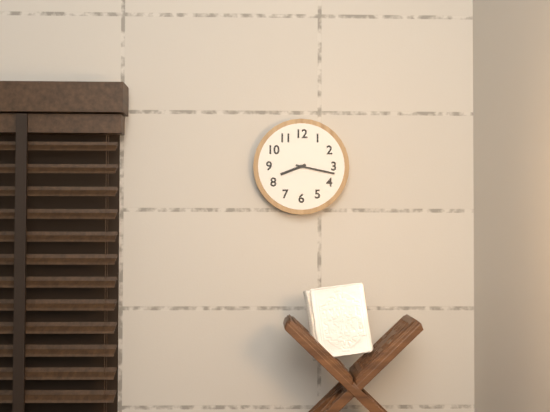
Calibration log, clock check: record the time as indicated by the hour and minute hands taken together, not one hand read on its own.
8:17
